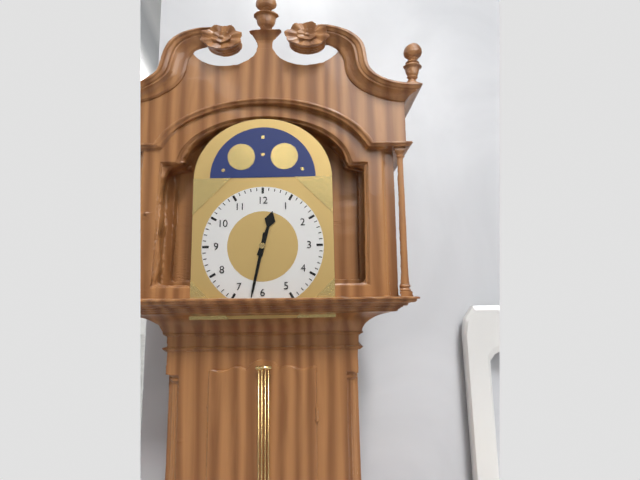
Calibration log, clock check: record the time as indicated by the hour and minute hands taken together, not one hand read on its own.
12:32
